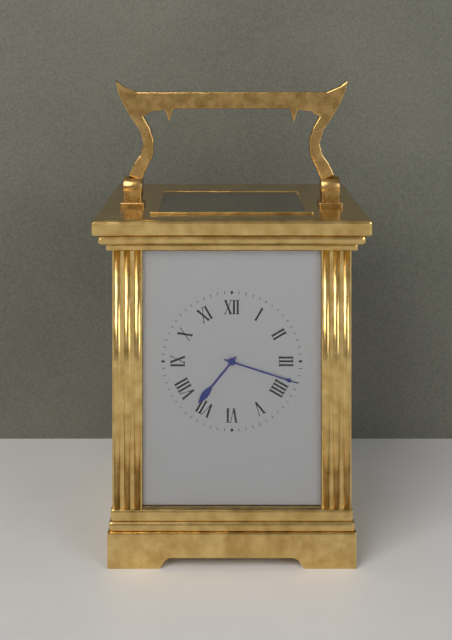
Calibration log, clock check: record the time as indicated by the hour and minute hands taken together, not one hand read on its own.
7:18
